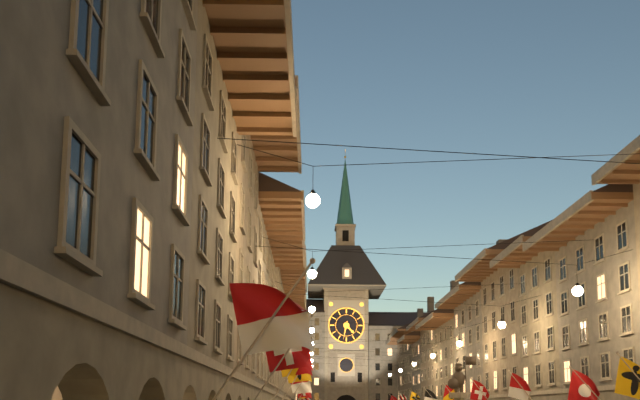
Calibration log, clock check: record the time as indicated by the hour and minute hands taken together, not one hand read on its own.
4:32
